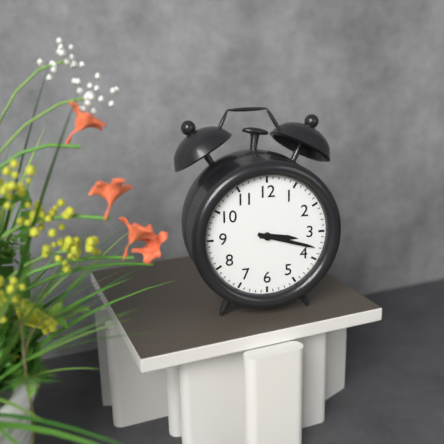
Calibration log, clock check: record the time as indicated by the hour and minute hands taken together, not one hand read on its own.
3:18
